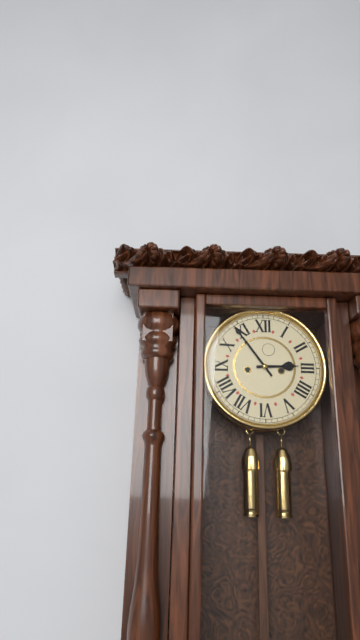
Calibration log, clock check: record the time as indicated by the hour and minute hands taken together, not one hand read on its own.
2:54
